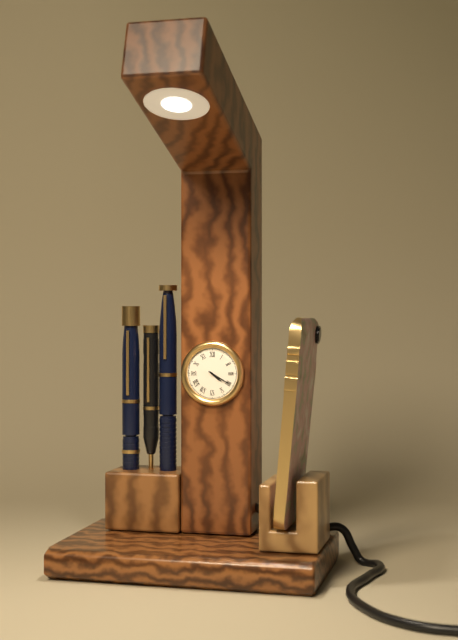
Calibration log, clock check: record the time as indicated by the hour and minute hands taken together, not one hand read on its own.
4:20
